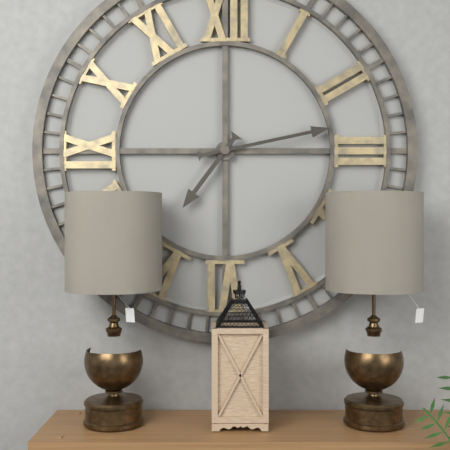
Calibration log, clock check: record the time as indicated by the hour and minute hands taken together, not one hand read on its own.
7:13
